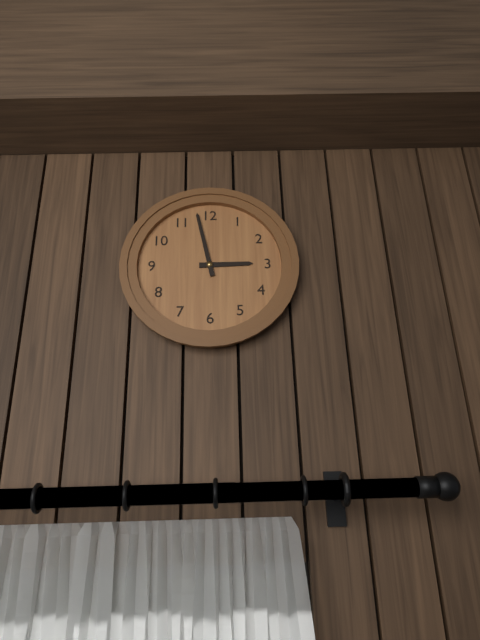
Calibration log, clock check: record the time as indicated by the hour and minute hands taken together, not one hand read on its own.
2:58
